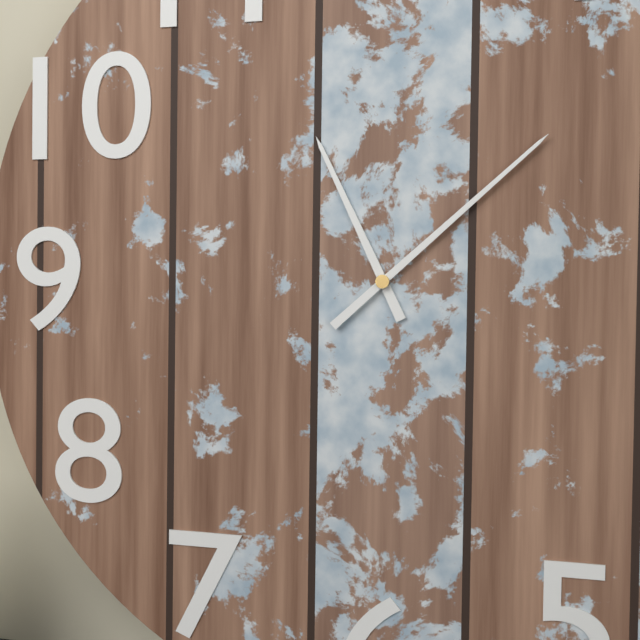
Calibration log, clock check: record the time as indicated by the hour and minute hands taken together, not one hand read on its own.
11:08
